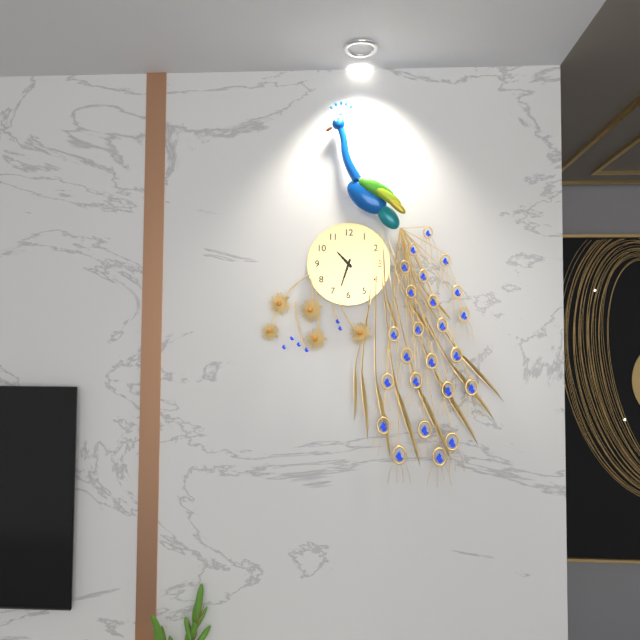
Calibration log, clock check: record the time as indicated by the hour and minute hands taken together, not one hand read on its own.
10:33
